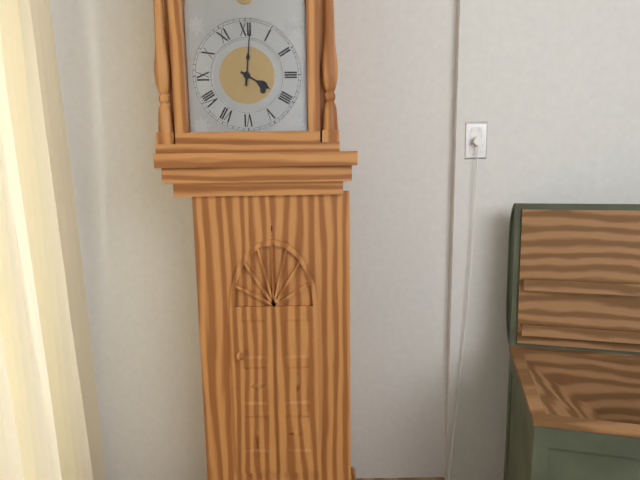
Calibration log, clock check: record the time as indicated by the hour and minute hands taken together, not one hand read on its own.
4:01
